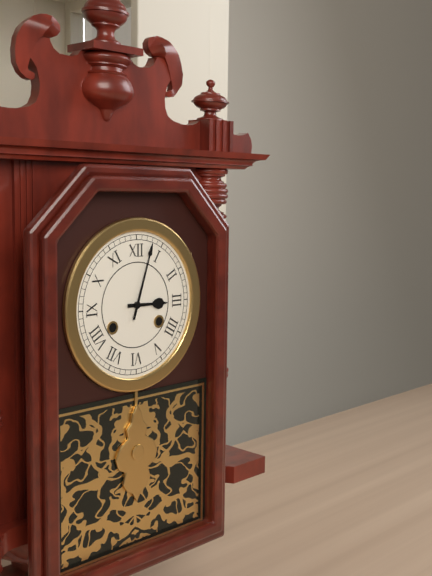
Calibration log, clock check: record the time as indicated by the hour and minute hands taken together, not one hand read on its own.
3:03
